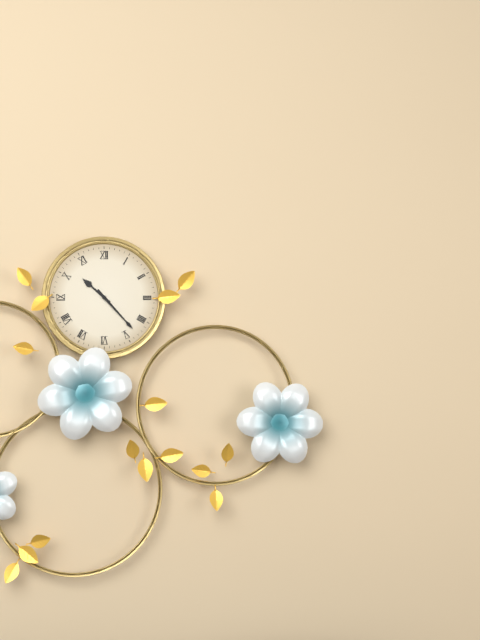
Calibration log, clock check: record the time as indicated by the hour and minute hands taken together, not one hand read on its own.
10:23
